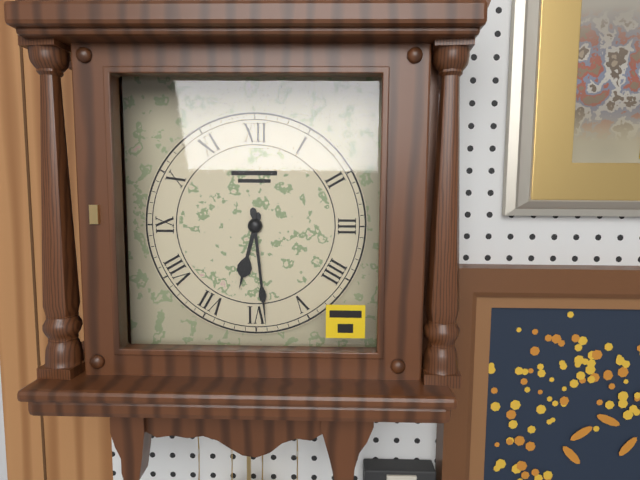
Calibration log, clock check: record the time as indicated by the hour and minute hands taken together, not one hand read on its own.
6:29
